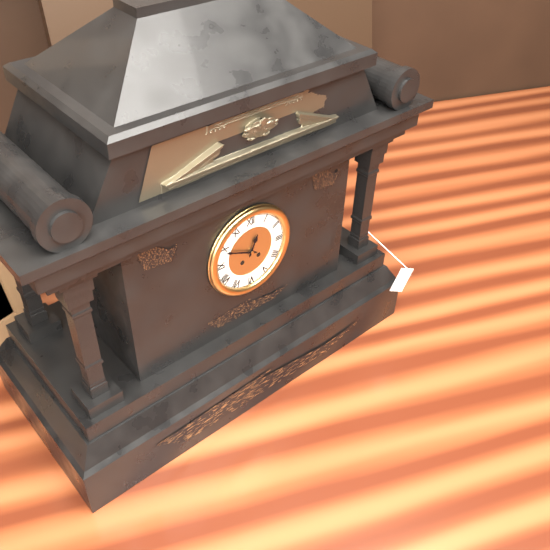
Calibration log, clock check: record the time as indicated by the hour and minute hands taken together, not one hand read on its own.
12:49
